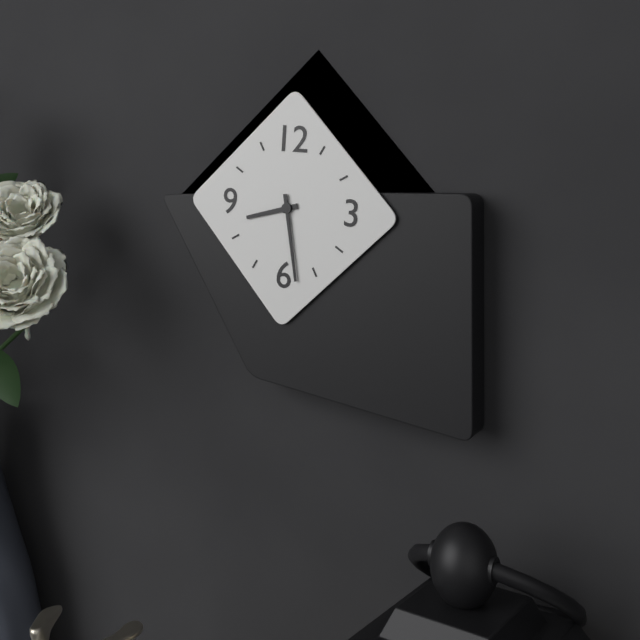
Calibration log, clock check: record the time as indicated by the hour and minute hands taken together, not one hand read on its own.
8:28
